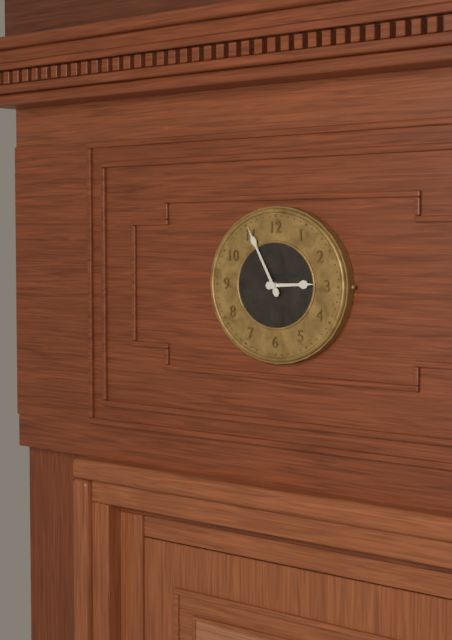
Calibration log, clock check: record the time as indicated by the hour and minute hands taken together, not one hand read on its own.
2:55
